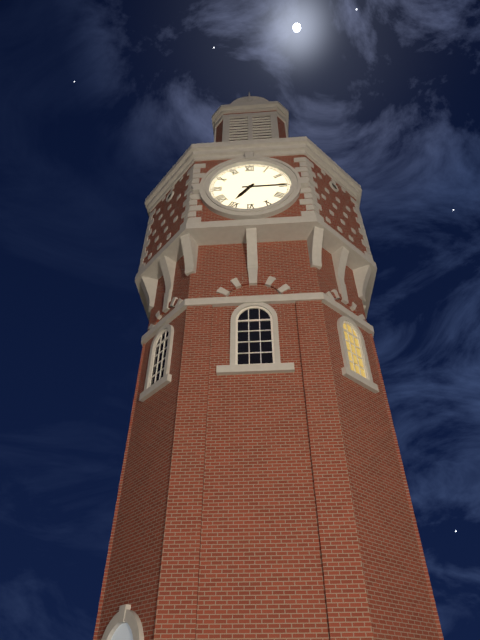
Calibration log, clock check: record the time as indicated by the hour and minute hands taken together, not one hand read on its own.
7:15
